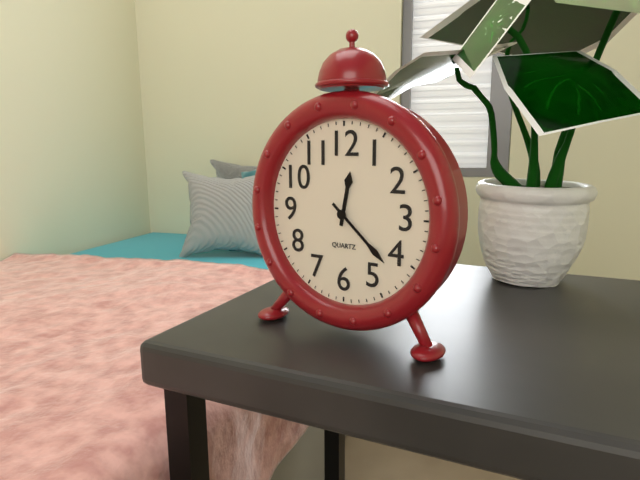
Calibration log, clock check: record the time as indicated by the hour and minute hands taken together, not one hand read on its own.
12:22
